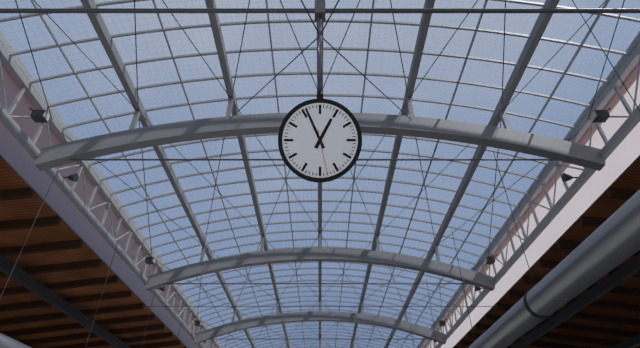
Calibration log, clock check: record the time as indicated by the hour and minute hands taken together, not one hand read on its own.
12:56
